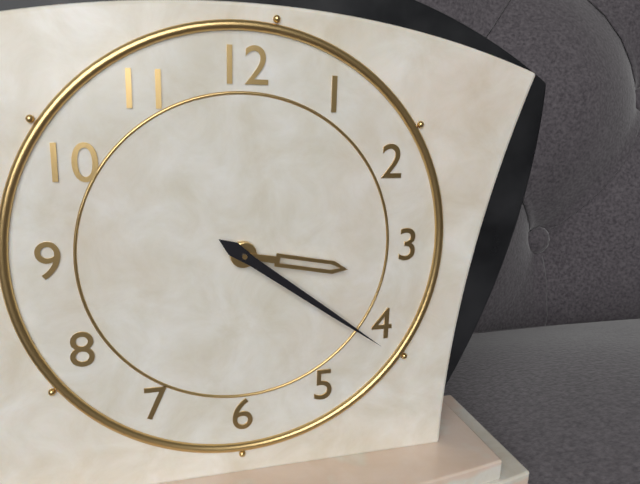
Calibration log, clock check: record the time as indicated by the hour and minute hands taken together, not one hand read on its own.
3:21
